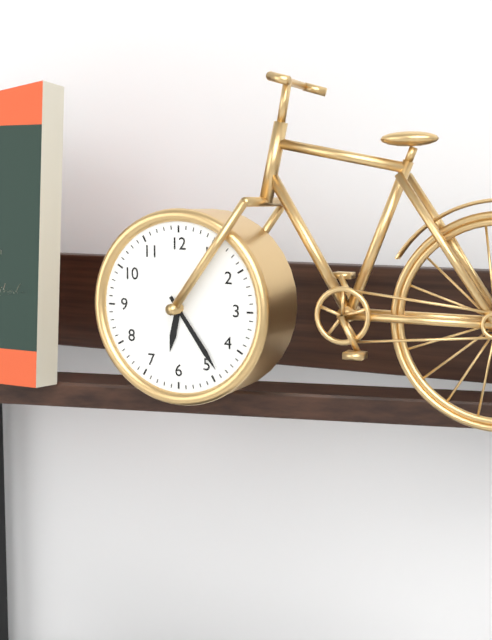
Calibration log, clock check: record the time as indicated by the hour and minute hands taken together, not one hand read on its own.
6:24
